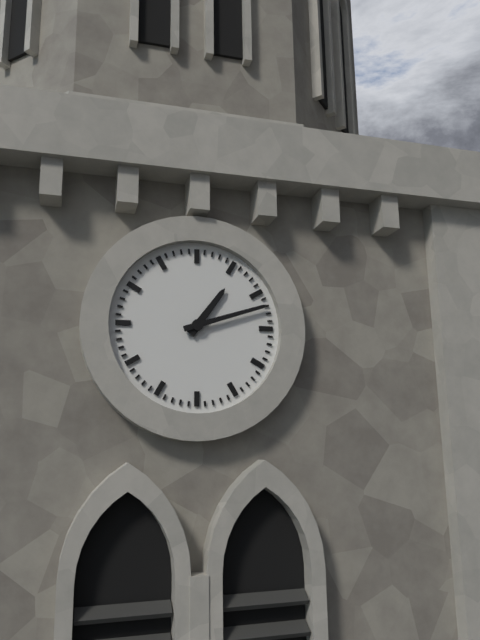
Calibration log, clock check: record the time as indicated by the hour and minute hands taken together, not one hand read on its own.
1:12
